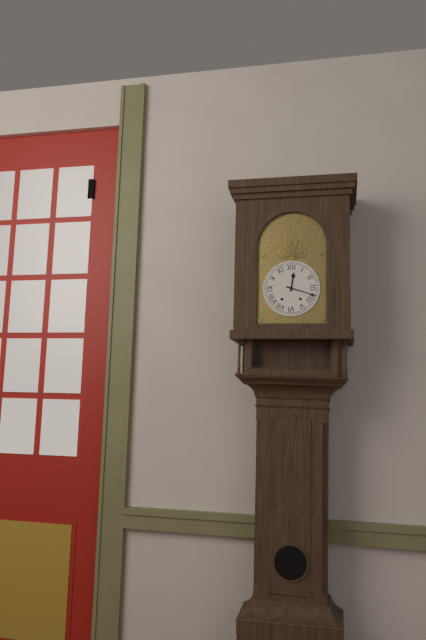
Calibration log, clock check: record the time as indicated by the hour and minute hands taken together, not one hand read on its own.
12:18
